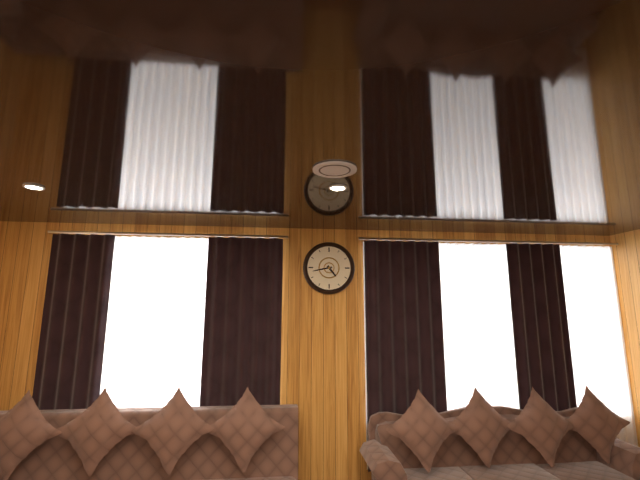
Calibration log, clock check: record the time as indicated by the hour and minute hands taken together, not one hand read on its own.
4:43
